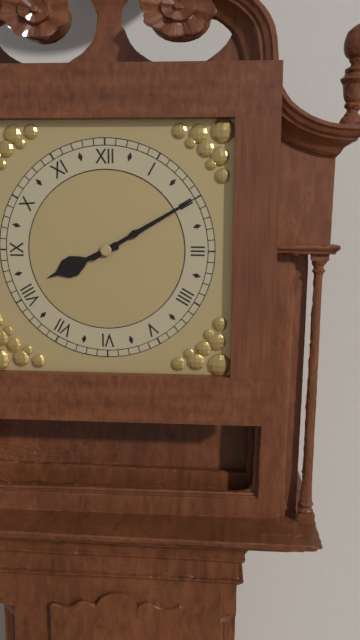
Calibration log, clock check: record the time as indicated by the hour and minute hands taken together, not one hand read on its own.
8:10
